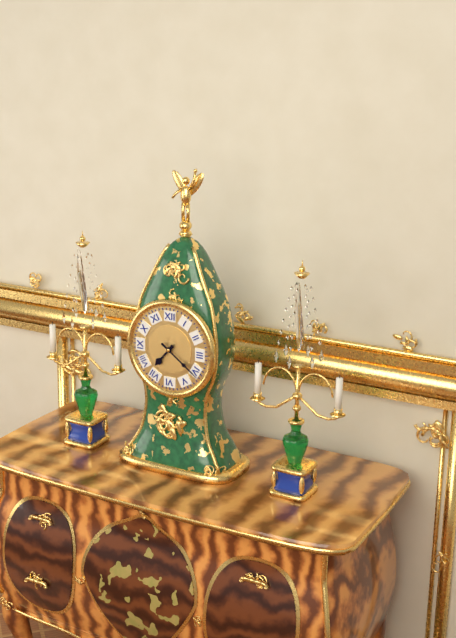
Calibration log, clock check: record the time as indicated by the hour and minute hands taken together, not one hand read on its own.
7:21
